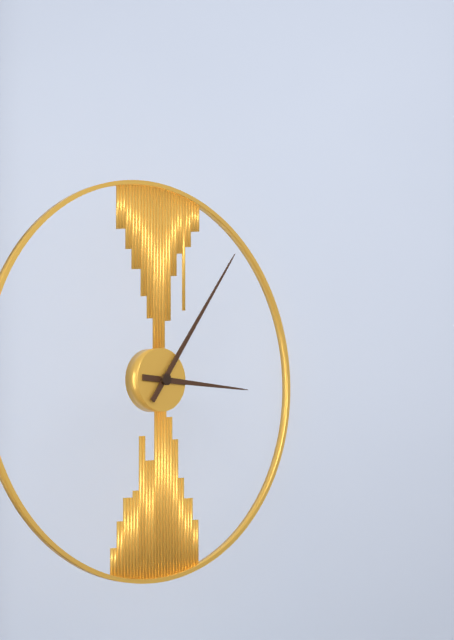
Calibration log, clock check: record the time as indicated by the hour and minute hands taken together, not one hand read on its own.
3:06
